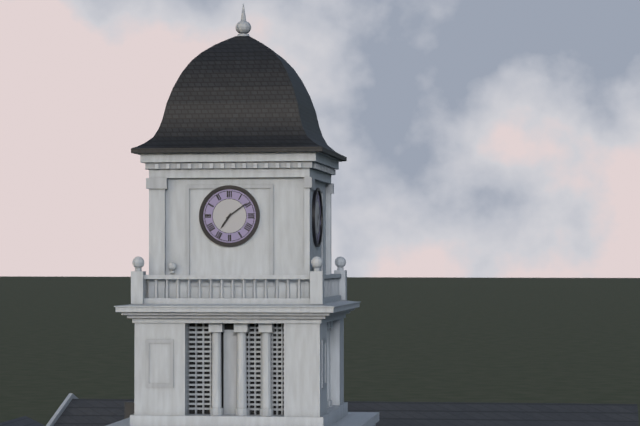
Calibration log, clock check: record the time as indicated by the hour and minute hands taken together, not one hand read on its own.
7:09
